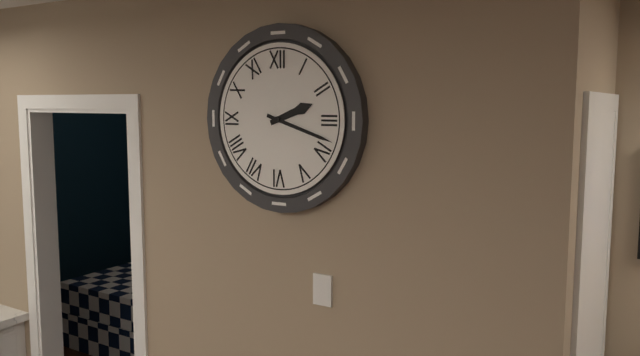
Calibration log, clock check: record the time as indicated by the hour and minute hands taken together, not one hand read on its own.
2:18
